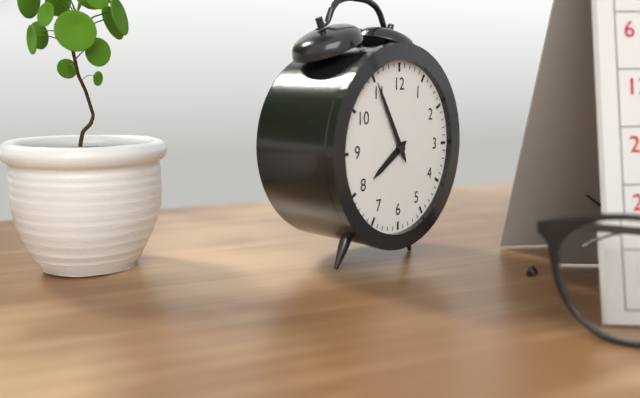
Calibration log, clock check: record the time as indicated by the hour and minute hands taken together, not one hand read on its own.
7:55
